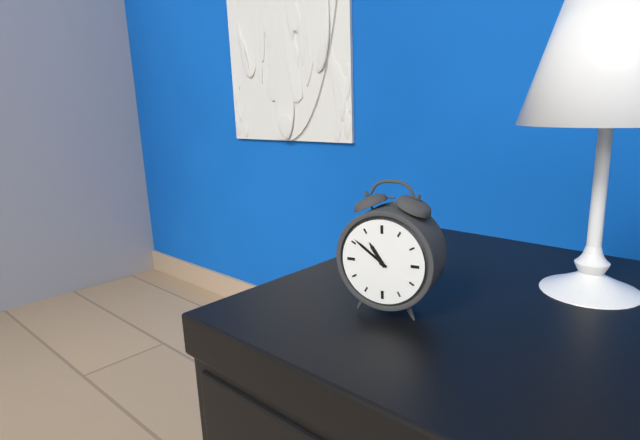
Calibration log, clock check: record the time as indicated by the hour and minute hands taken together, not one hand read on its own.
10:51
